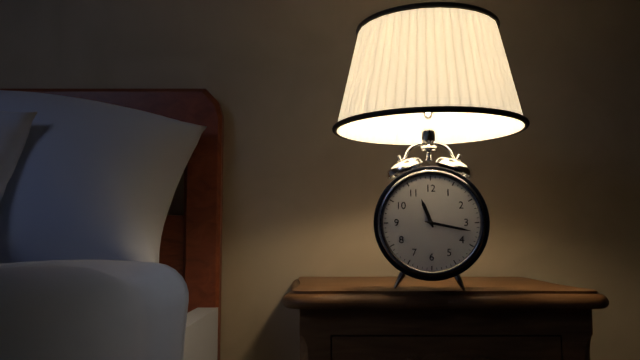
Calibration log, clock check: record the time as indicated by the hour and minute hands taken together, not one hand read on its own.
11:17
